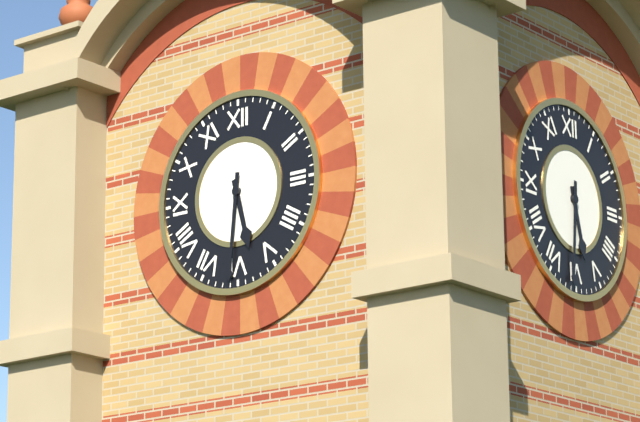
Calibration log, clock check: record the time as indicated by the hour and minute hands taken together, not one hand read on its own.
5:31
